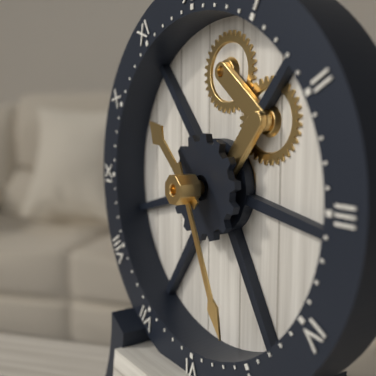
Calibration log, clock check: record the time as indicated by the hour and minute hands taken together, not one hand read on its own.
10:26
